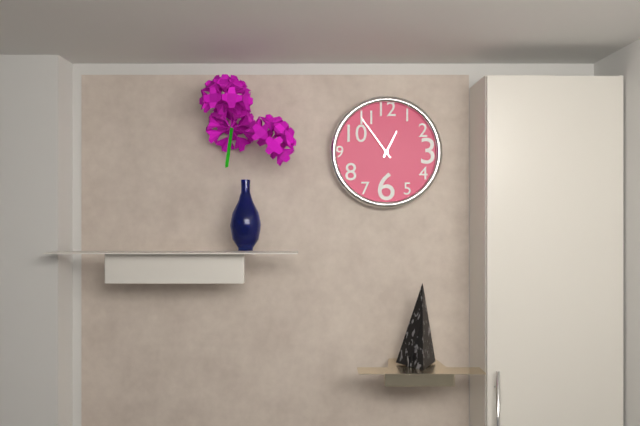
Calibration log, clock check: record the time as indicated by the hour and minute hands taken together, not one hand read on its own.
12:54
